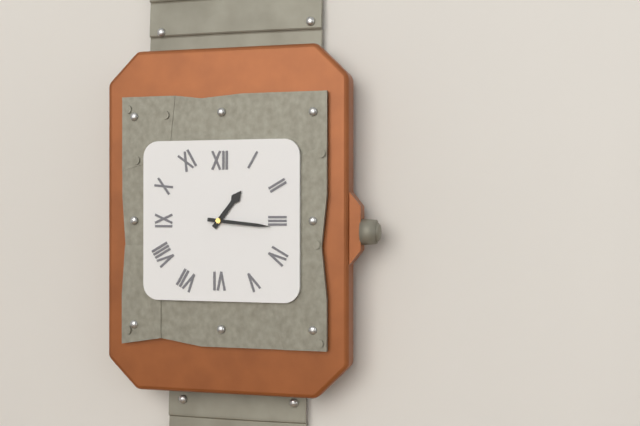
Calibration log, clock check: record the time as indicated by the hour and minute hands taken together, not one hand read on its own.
1:16
